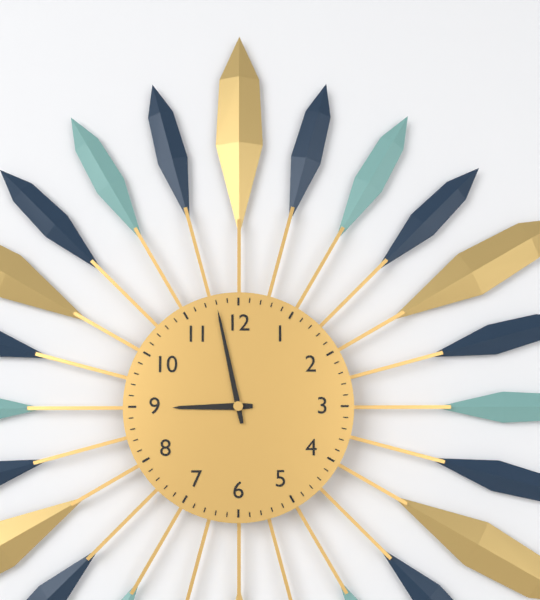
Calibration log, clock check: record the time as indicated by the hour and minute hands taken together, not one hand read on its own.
8:58
